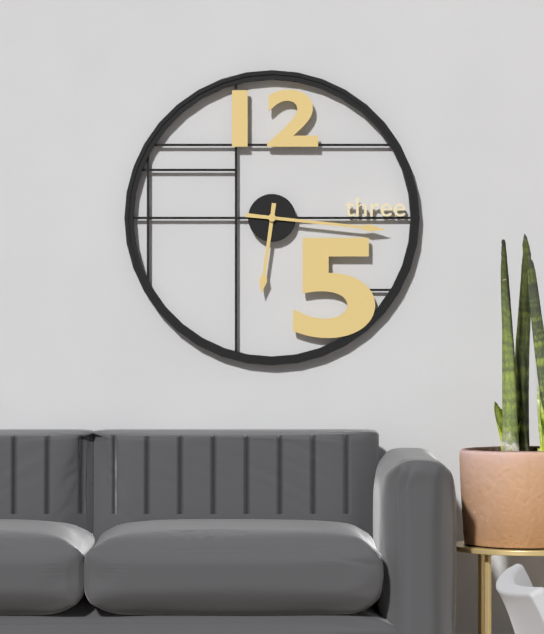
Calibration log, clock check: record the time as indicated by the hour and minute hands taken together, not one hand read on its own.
6:16
